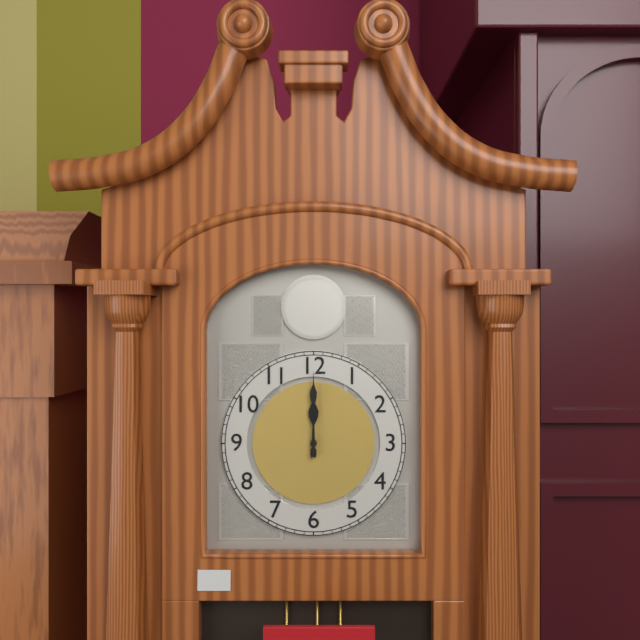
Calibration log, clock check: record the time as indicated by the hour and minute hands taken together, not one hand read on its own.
12:00
